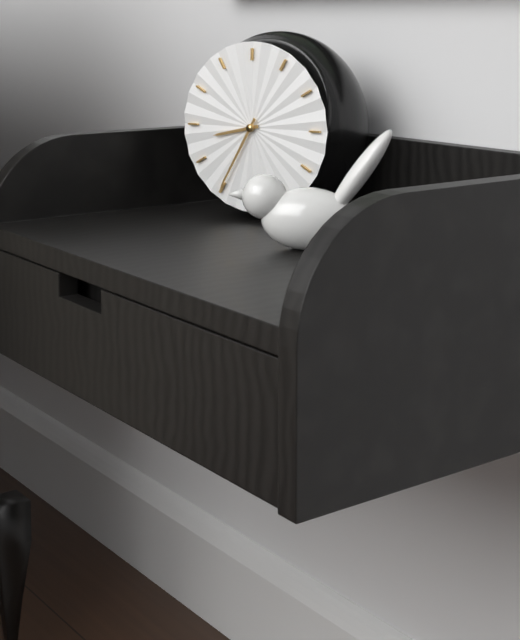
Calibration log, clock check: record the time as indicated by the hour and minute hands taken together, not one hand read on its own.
8:35
